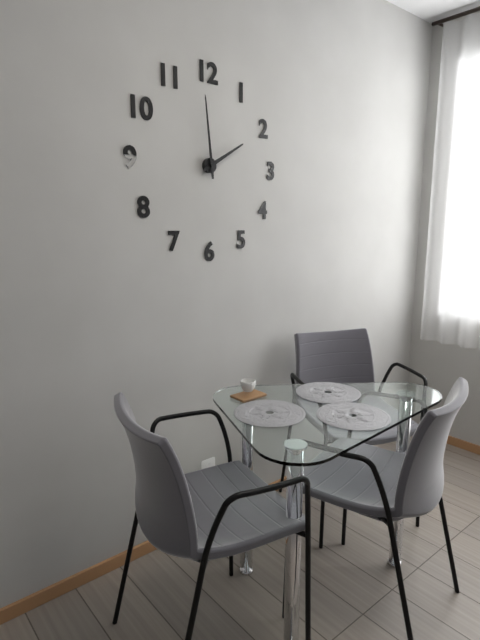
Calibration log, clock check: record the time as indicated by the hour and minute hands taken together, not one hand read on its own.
1:59
